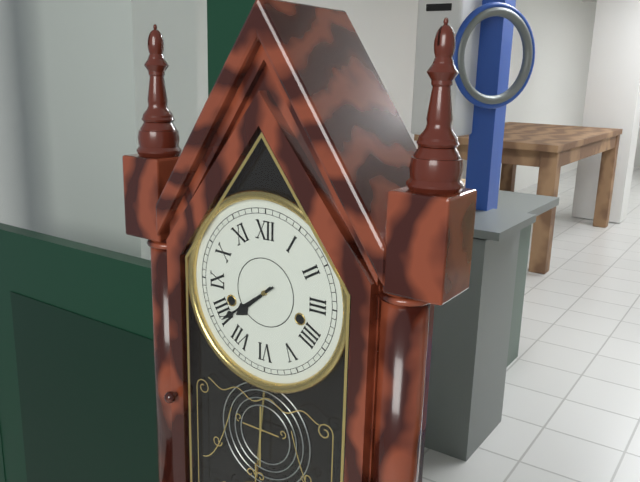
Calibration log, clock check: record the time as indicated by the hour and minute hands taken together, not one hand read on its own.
7:39
